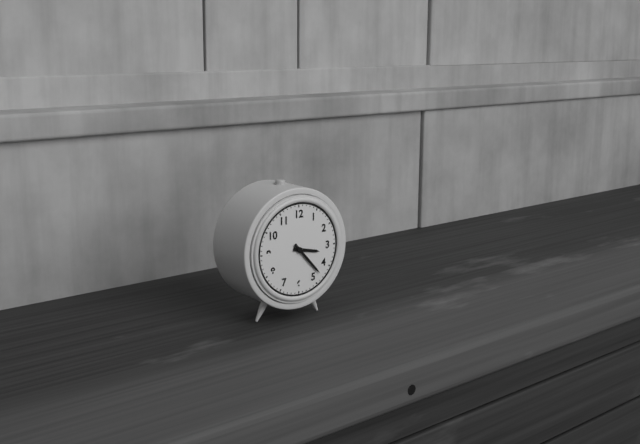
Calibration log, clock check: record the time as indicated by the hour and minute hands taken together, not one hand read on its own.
3:23
